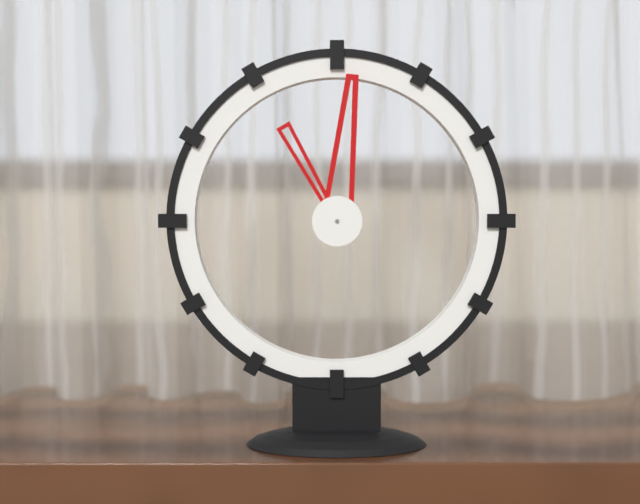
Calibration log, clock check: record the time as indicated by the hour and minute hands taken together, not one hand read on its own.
11:01
